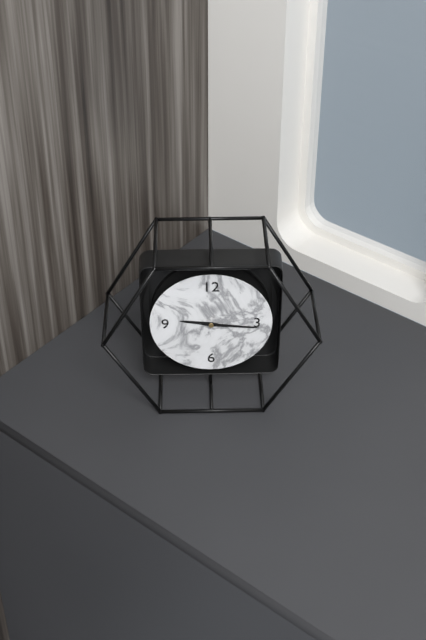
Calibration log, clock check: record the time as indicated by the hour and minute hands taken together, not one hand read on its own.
9:16
